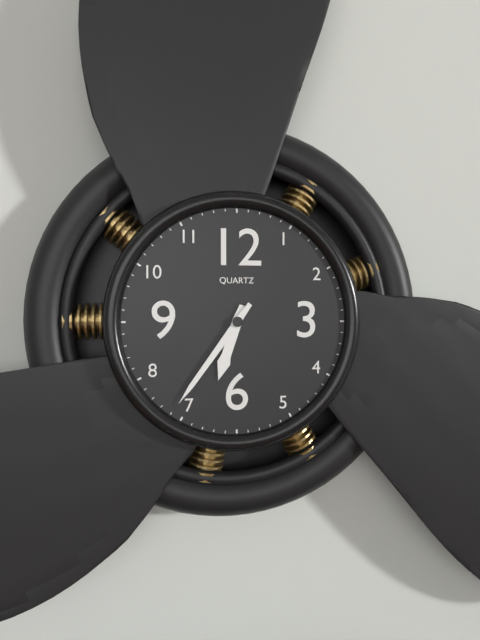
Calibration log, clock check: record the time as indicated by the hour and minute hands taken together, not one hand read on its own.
6:36
